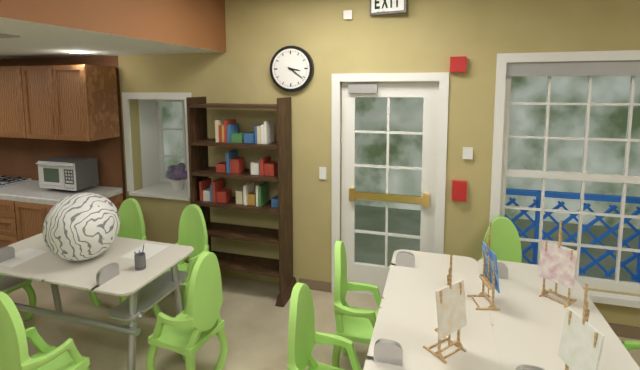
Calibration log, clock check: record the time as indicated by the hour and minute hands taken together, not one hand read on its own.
3:21
